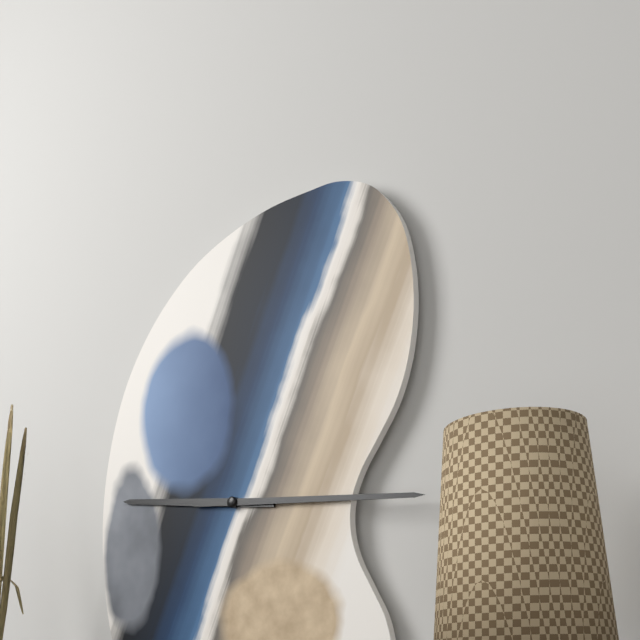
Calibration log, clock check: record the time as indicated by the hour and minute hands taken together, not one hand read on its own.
9:16
